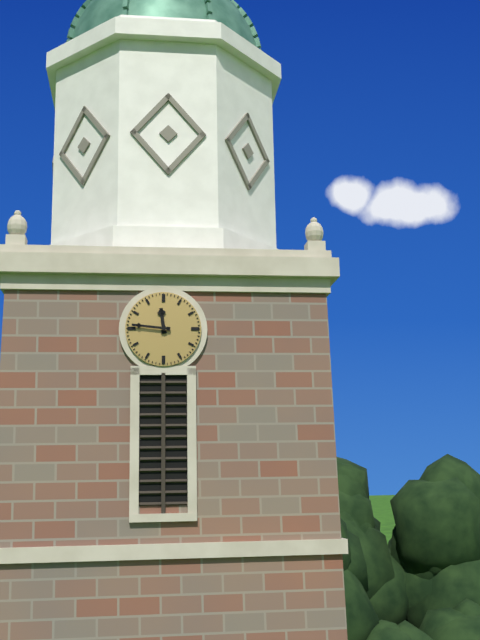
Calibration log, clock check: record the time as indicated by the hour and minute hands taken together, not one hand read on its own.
11:46
